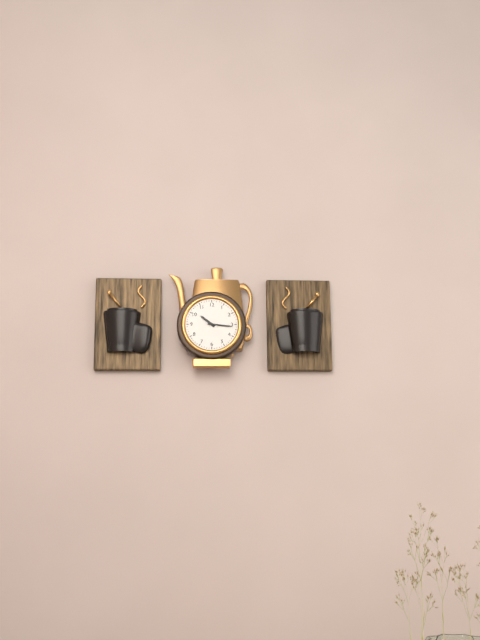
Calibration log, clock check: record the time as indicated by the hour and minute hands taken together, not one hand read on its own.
10:16
